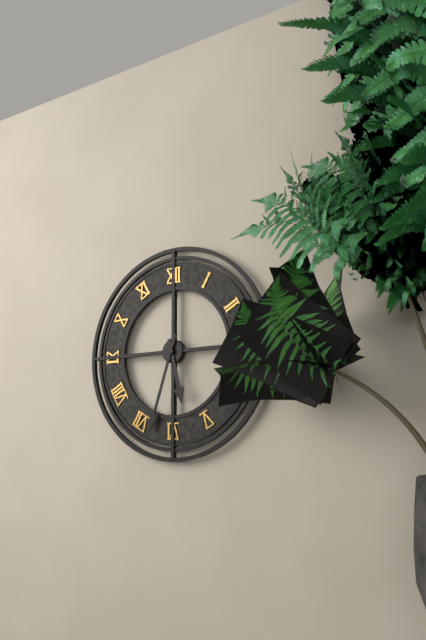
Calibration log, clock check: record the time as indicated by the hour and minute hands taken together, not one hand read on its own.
5:33
